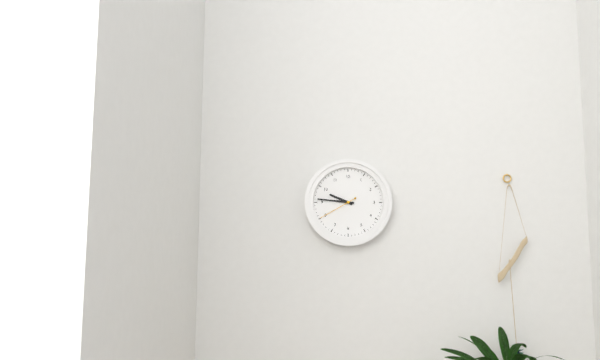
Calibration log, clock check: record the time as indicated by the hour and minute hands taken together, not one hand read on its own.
9:46
